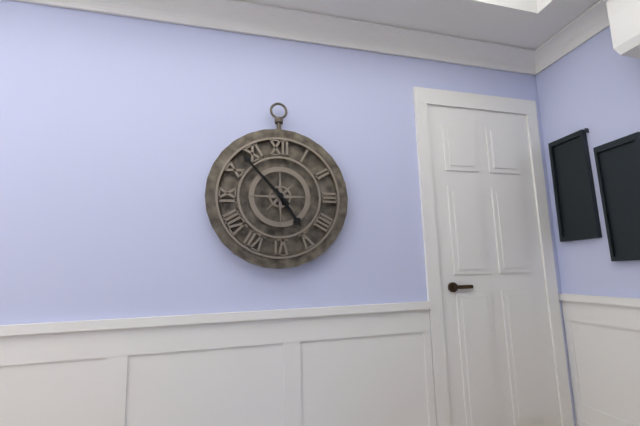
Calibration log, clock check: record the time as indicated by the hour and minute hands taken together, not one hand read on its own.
4:53
